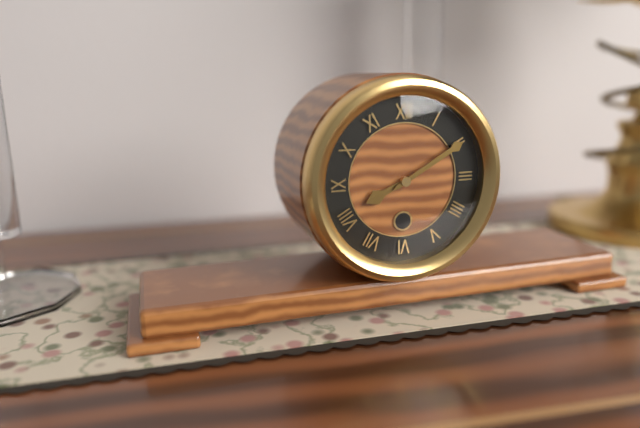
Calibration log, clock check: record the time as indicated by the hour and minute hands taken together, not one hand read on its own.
8:10
